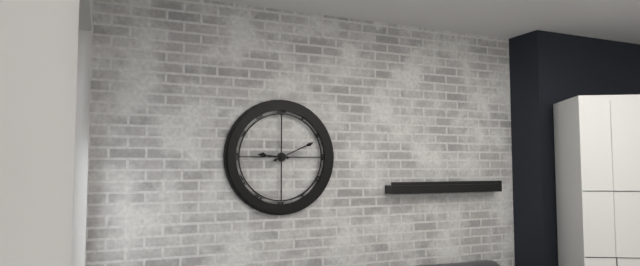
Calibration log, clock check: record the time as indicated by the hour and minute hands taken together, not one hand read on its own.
9:11
